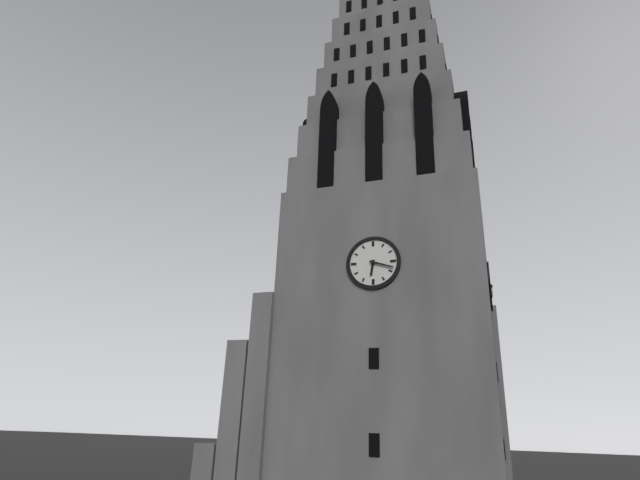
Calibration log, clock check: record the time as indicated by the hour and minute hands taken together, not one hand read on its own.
6:18
